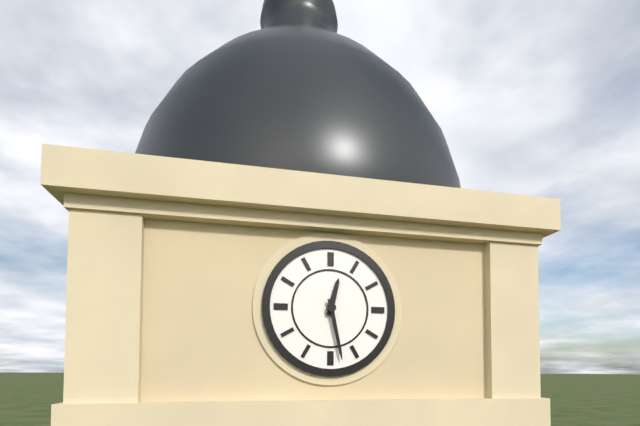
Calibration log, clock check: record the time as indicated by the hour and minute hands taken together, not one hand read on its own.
12:28
